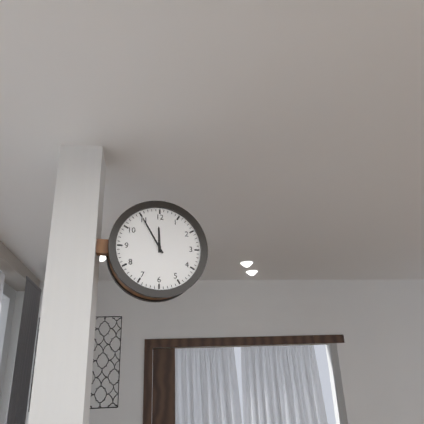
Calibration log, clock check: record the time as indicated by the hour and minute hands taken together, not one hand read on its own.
11:55
